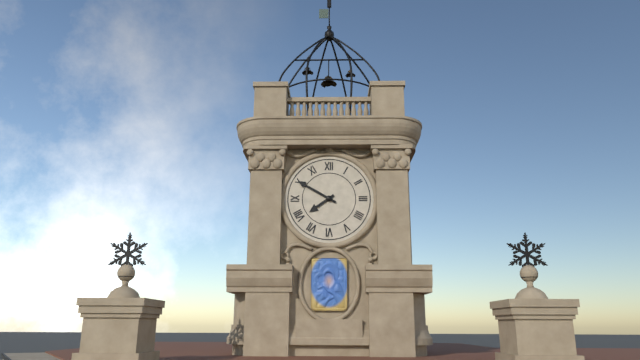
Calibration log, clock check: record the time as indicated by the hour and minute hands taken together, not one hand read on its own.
7:50
